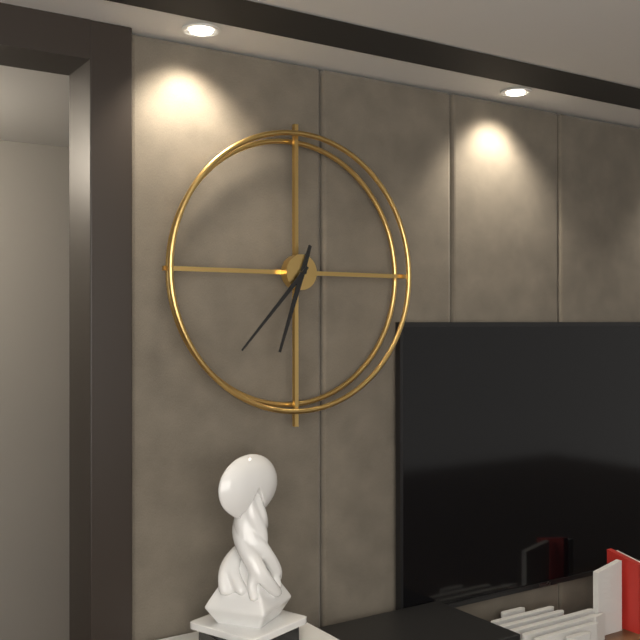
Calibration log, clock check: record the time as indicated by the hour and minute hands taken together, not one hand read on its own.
6:37
